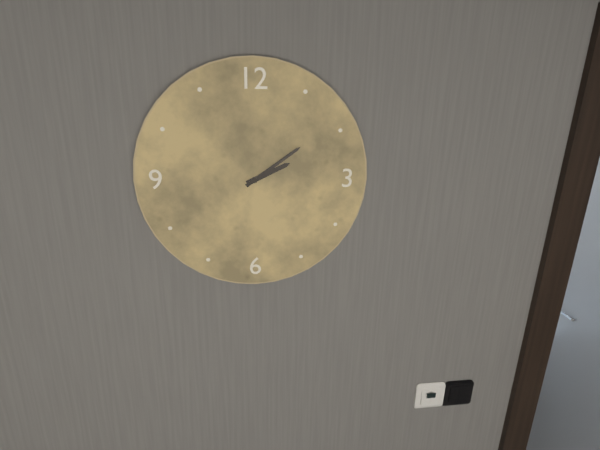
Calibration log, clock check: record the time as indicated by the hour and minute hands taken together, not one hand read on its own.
2:09
